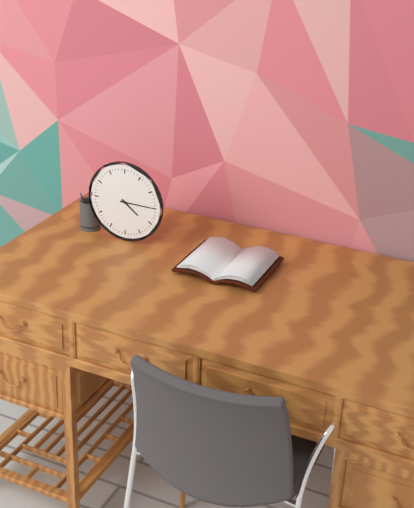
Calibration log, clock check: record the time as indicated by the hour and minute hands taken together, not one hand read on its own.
4:15
